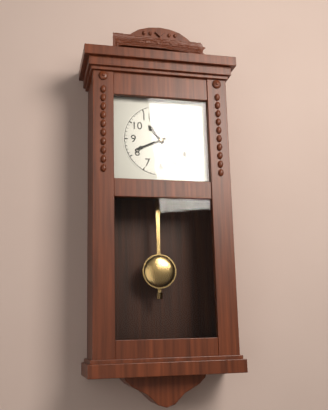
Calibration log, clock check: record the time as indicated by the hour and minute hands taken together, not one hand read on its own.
10:41
